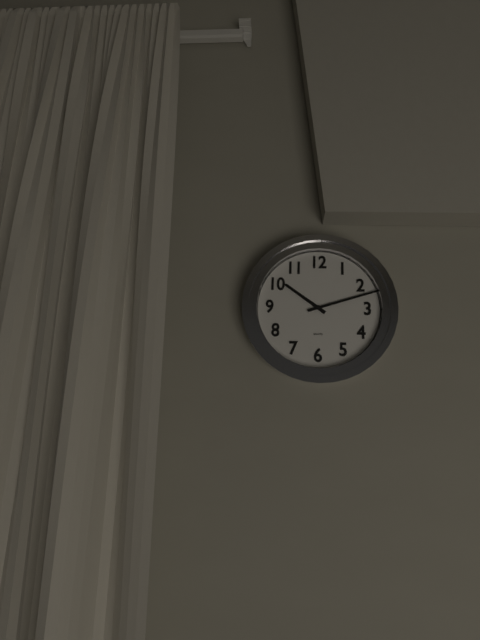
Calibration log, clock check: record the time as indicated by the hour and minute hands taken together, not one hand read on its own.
10:12
